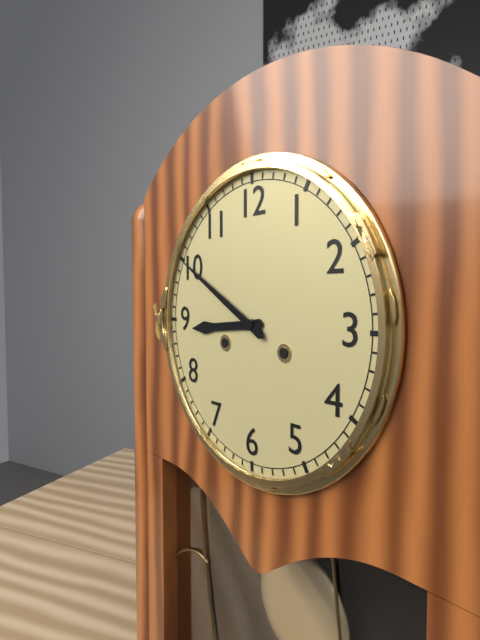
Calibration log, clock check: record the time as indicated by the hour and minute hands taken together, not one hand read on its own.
8:50
